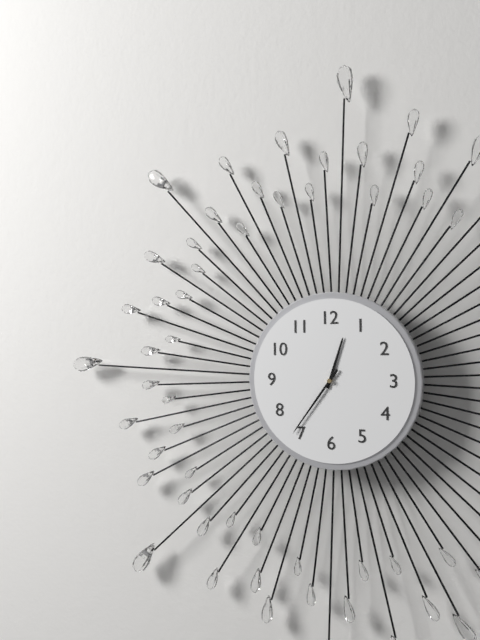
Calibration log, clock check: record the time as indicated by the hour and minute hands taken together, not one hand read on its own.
12:36
